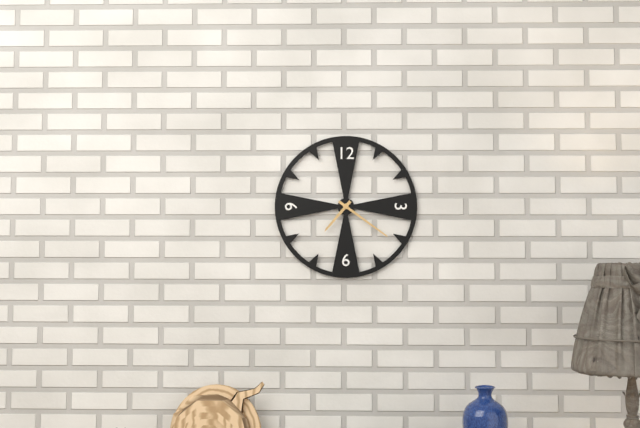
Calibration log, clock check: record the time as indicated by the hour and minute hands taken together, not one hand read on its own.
7:21
